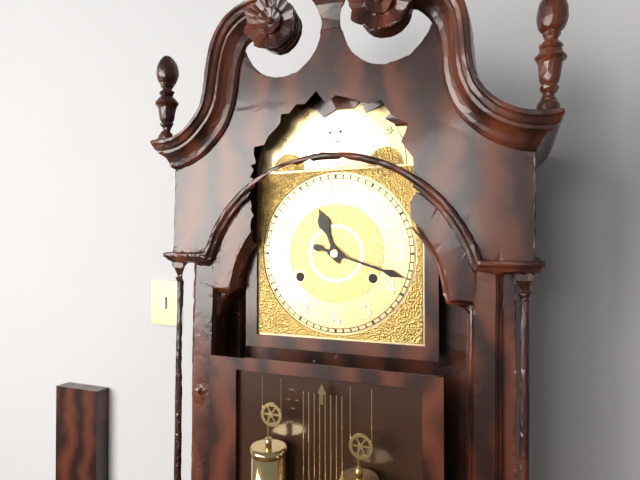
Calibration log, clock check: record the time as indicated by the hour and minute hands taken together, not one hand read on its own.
11:18
